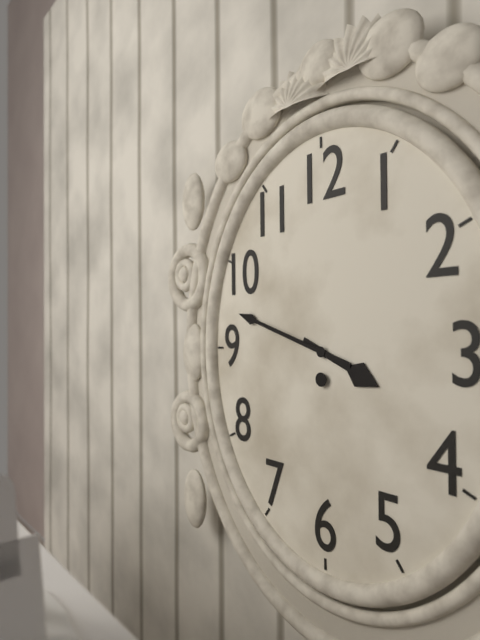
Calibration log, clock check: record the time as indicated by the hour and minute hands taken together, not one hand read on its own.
3:48
